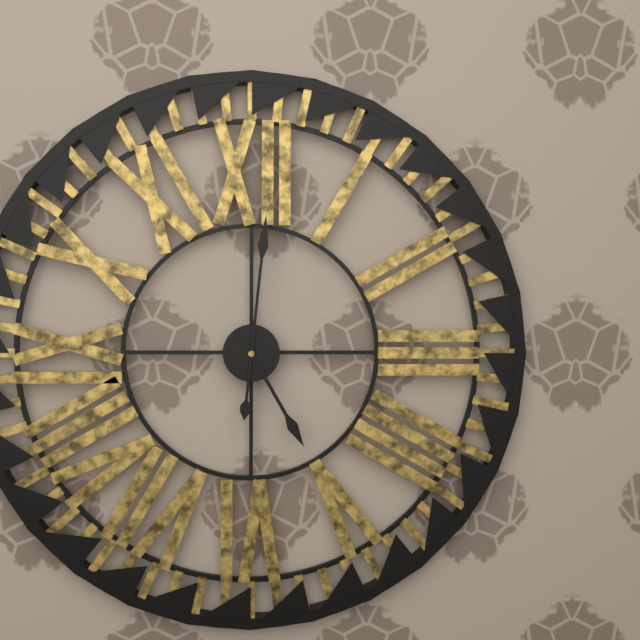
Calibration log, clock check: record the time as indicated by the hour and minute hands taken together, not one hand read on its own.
5:01
